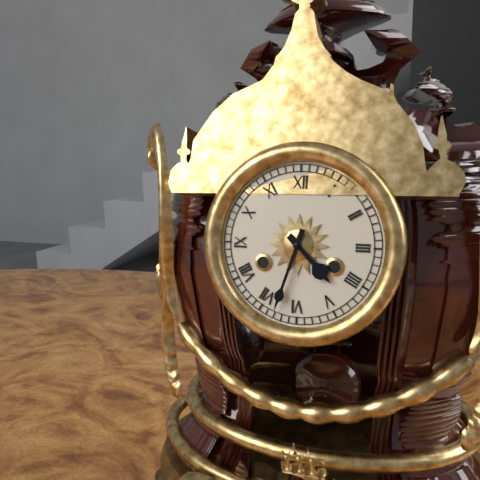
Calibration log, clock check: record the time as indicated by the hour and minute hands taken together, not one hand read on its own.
4:33
